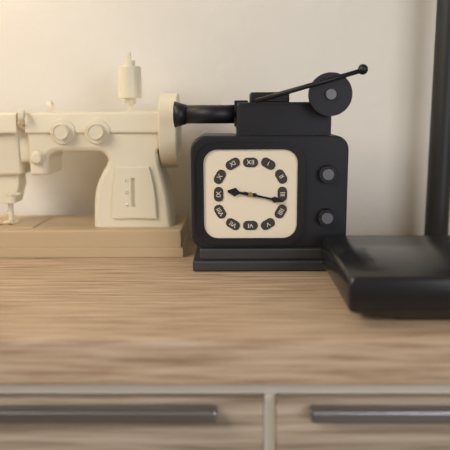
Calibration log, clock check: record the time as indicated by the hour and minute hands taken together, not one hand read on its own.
9:17
